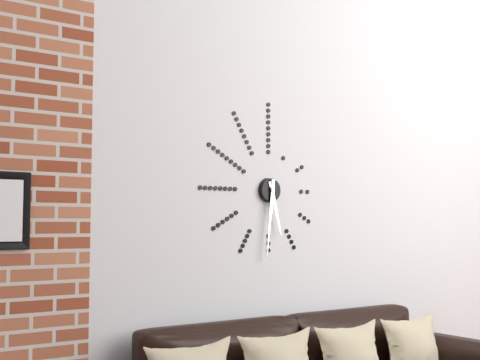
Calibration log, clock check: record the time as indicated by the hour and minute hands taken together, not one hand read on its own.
5:31
